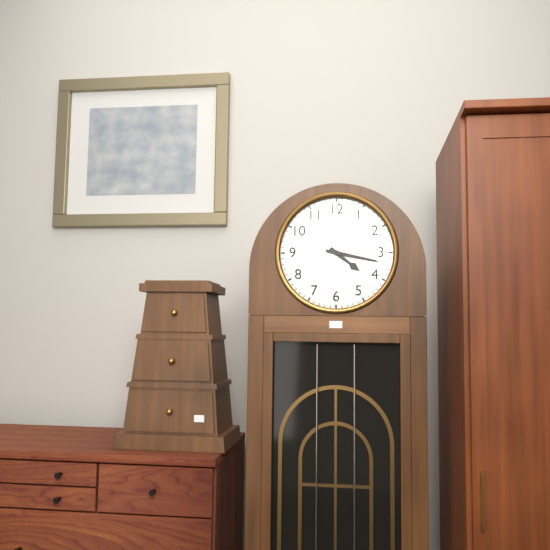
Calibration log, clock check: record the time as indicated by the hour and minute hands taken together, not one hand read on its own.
4:17
